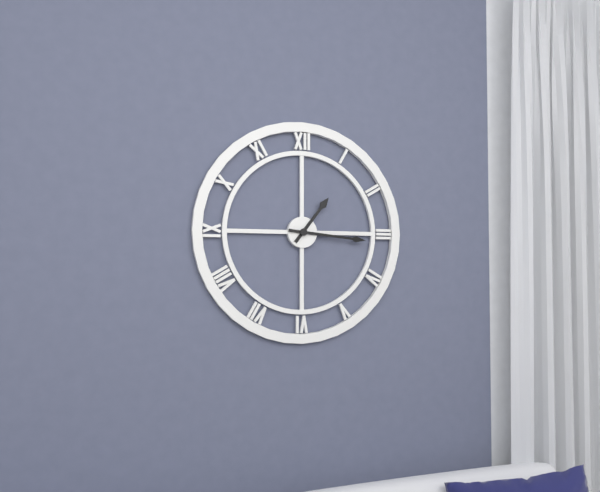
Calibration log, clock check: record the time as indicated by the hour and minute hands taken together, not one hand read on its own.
1:16
